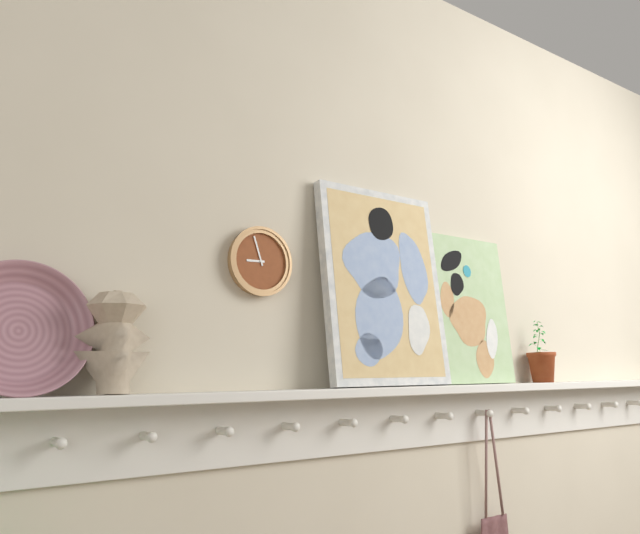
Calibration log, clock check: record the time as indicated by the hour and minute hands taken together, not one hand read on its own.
8:57
